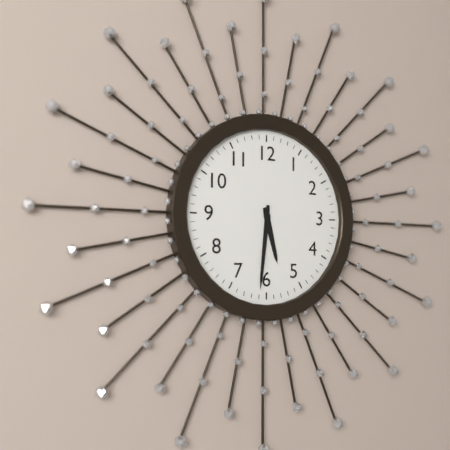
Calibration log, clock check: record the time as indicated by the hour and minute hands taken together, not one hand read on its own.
5:31
